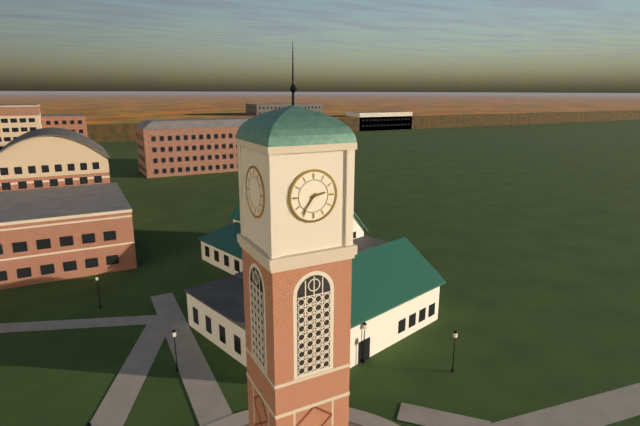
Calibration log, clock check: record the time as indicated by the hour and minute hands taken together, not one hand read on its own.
2:36
